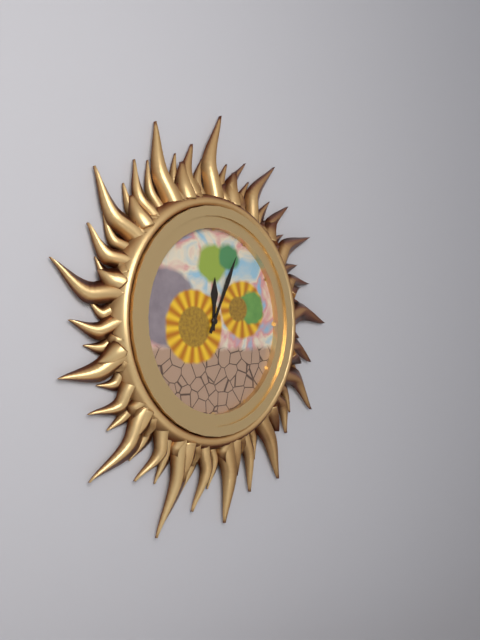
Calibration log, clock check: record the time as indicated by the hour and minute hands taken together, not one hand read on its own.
12:04
